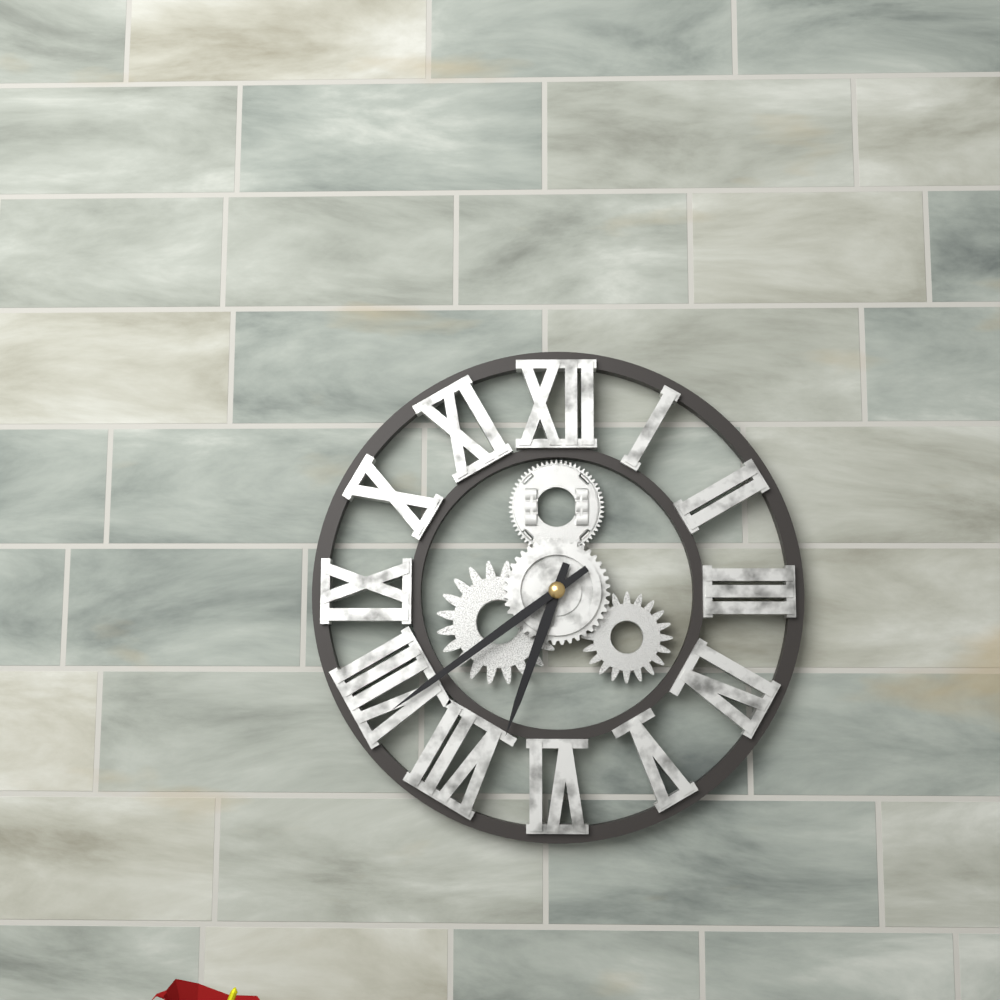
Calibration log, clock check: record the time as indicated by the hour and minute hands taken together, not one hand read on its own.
6:39
